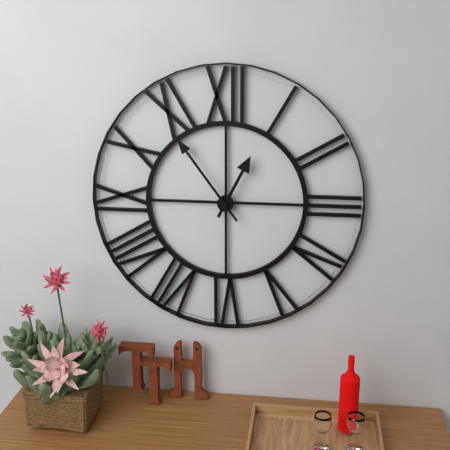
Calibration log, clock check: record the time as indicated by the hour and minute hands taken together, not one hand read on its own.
12:54
